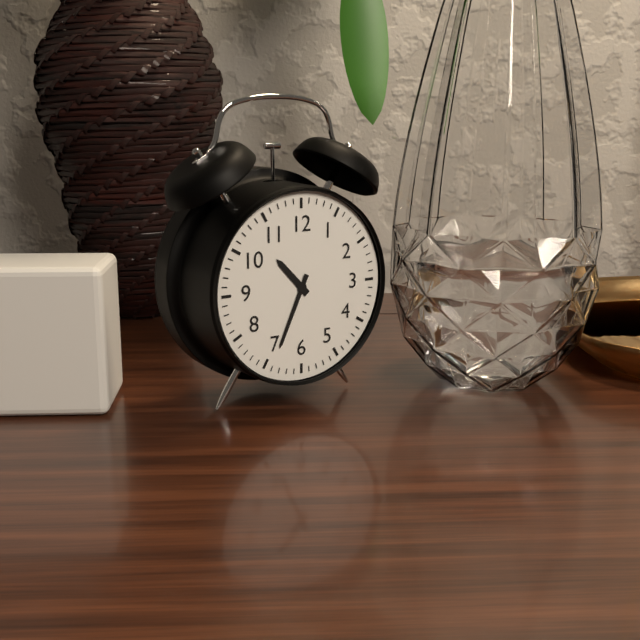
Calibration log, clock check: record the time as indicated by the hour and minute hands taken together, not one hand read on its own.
10:34
